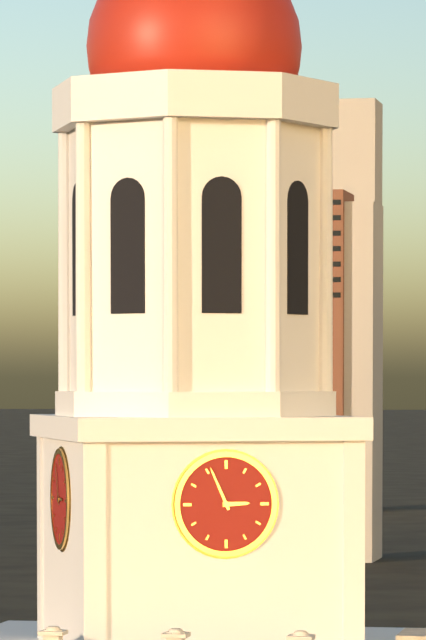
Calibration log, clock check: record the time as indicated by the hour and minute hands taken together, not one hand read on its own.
2:56
